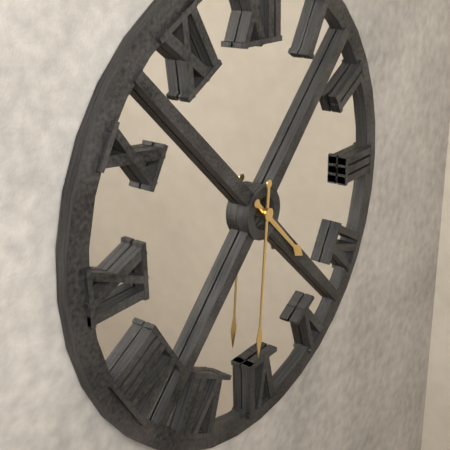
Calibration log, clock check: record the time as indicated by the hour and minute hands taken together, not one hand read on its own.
4:31
